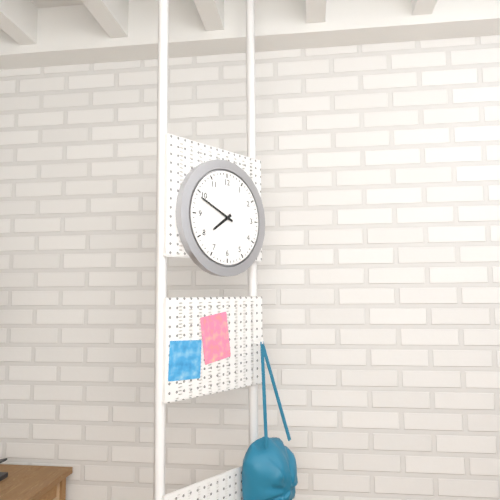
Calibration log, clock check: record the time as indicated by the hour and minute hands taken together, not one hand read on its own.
7:49
